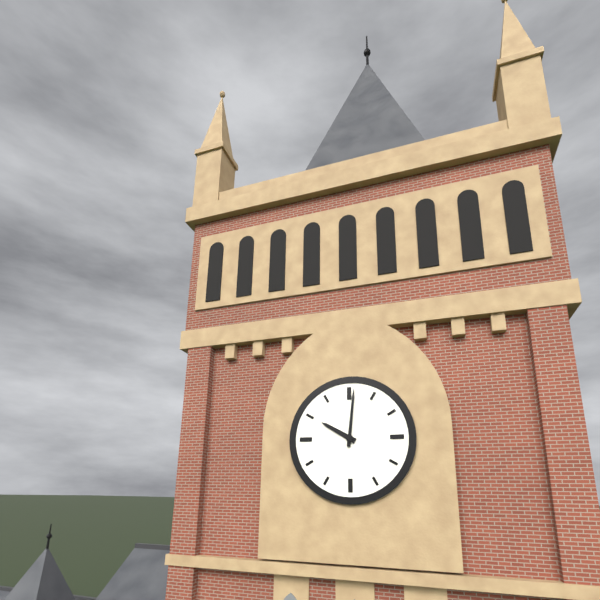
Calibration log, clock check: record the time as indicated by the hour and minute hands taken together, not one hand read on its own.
10:01
